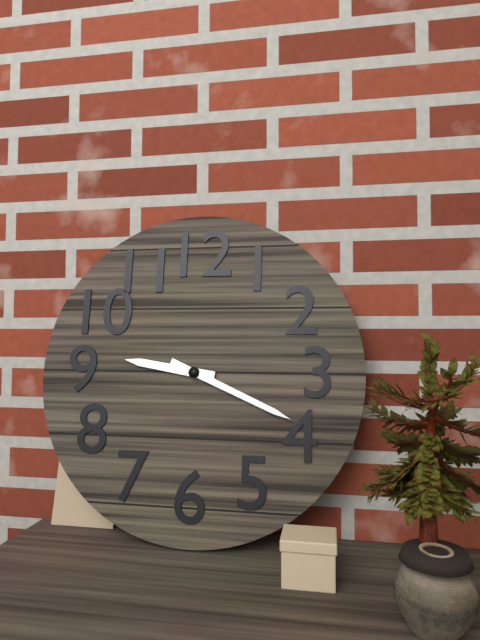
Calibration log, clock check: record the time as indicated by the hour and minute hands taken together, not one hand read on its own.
9:19
